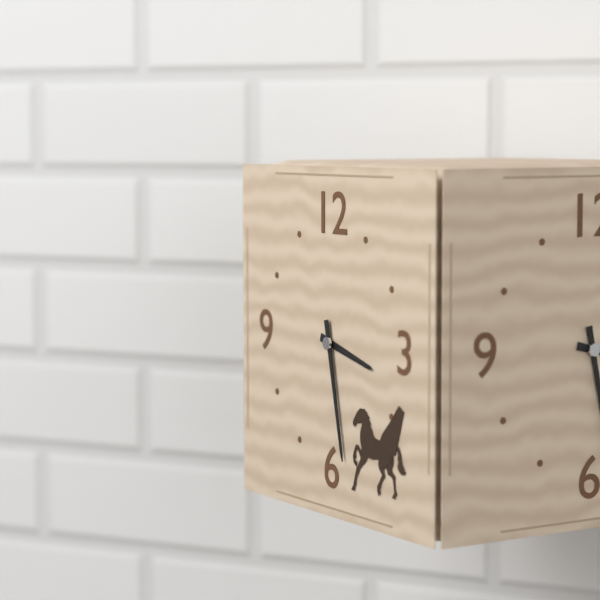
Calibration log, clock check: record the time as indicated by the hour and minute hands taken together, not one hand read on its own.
3:28
